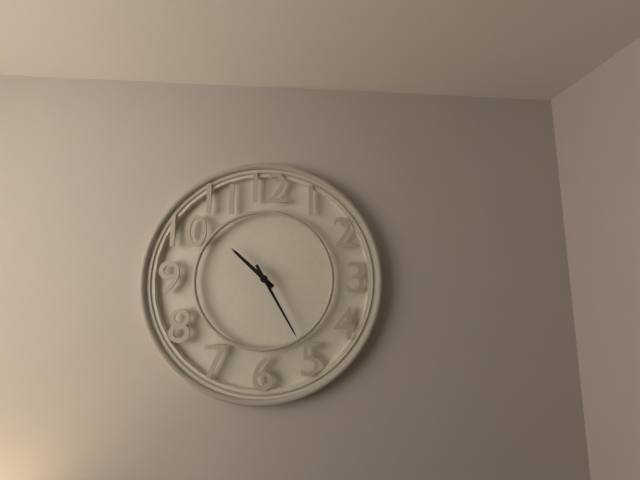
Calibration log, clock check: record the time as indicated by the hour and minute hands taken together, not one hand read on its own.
10:25
